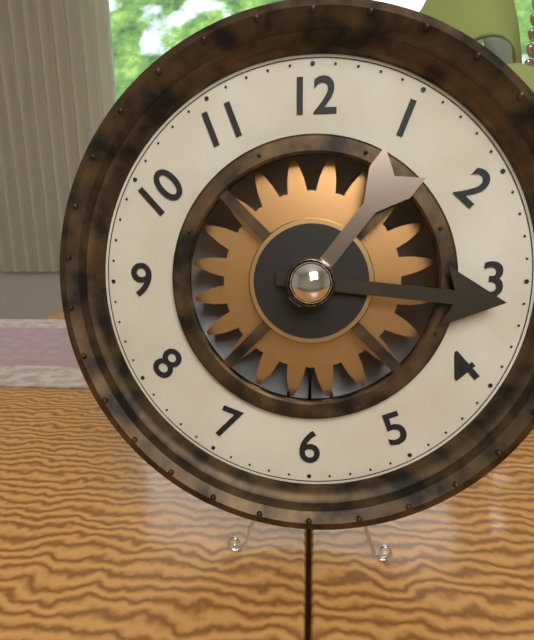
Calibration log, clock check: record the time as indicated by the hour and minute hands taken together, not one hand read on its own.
1:16
